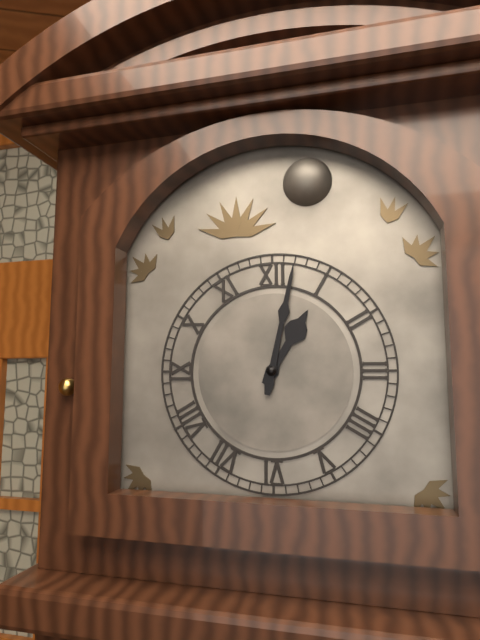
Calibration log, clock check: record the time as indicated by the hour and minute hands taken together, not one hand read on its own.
1:02
